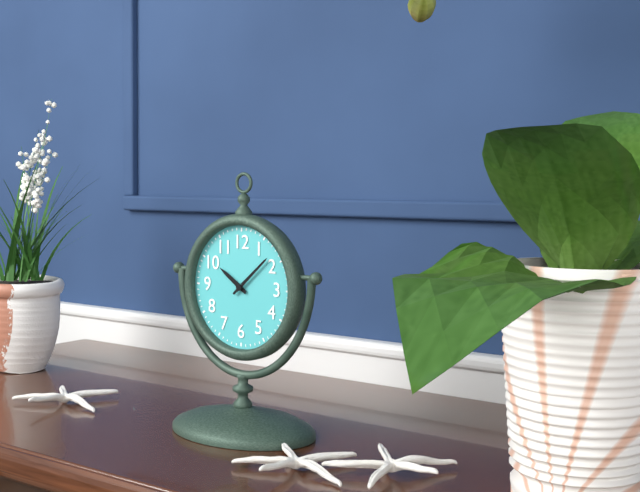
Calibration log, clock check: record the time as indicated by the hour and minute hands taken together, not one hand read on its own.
10:08
